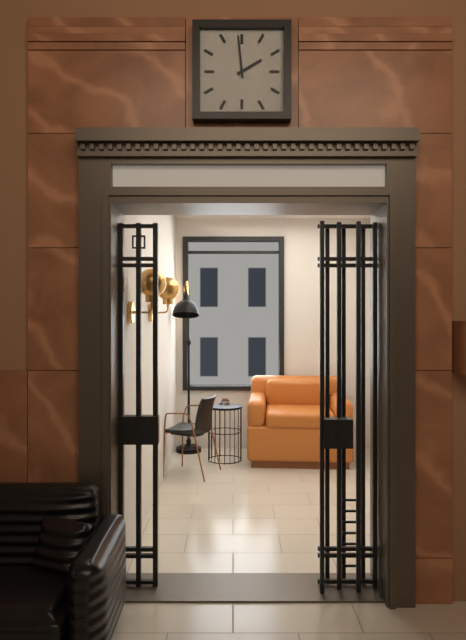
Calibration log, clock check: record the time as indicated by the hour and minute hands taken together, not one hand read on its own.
1:59
